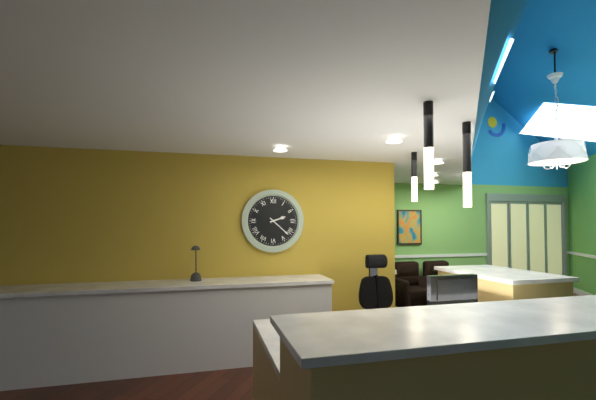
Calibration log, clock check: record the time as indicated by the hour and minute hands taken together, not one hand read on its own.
2:22
